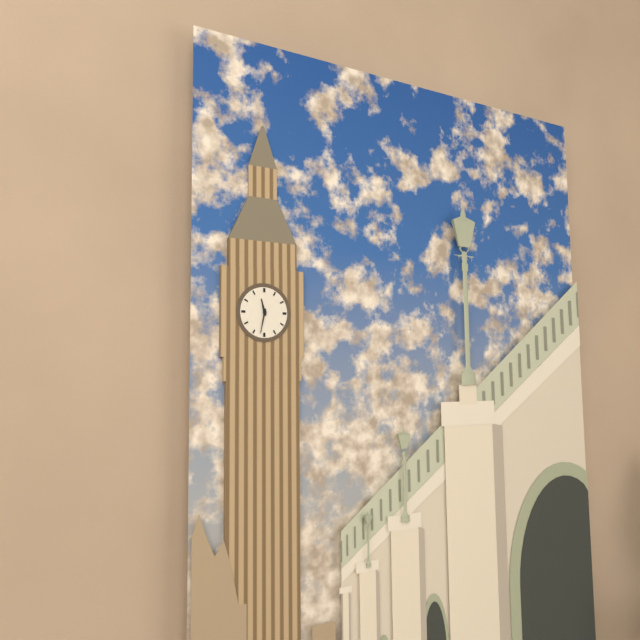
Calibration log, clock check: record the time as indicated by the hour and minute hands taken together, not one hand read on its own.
11:32
